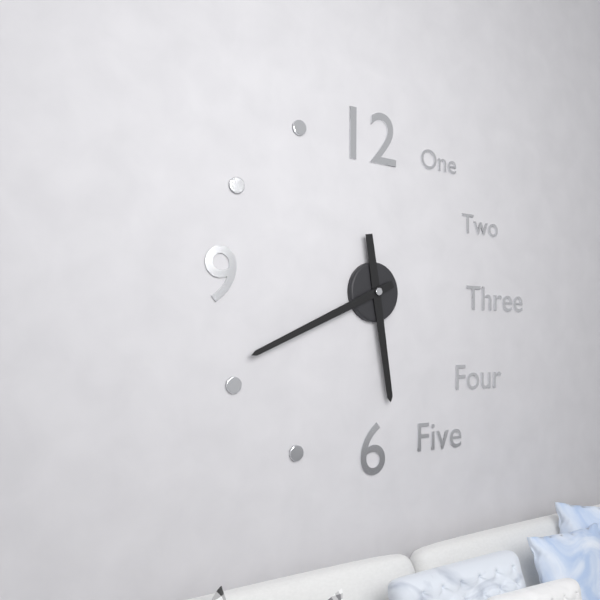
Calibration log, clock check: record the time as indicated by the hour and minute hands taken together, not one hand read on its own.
5:41
